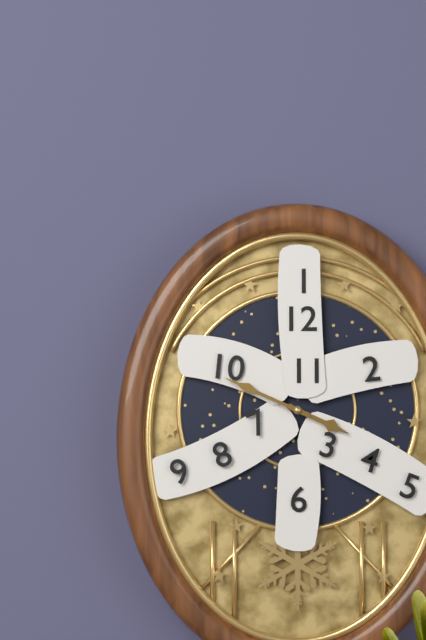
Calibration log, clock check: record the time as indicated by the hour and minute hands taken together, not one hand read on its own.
3:49
